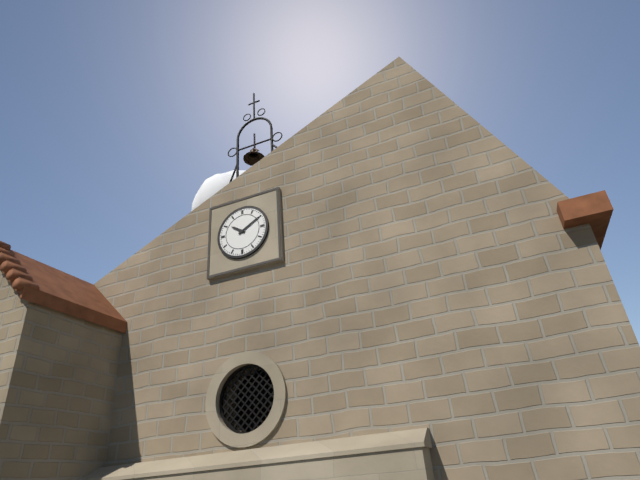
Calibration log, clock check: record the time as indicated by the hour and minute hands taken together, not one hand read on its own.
10:10
